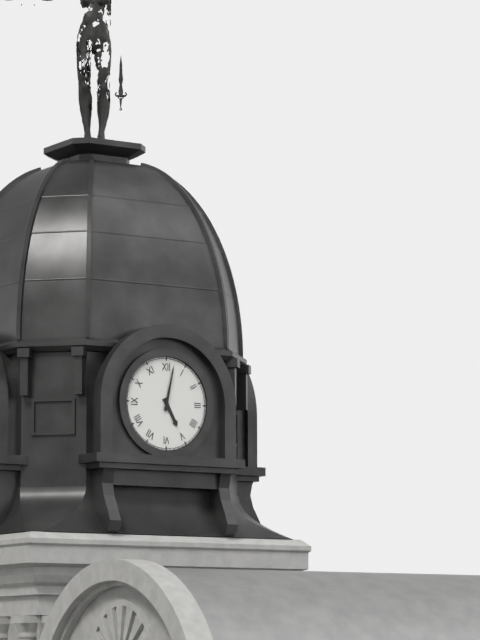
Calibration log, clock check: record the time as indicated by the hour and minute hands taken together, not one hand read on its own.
5:02
